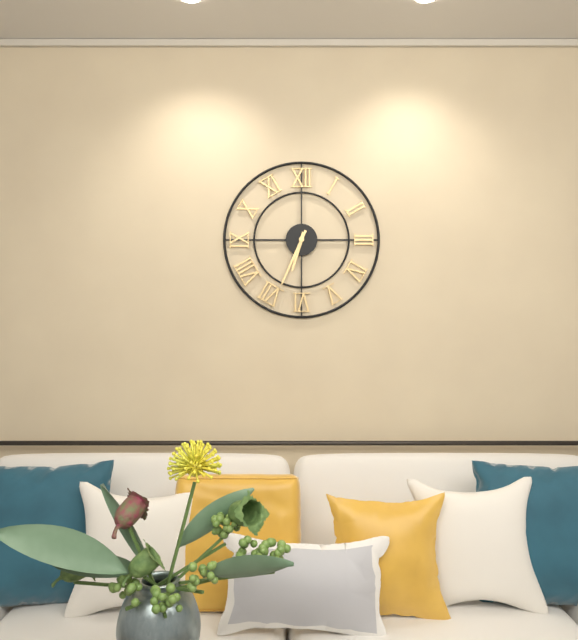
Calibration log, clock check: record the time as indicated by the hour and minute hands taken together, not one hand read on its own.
6:34
